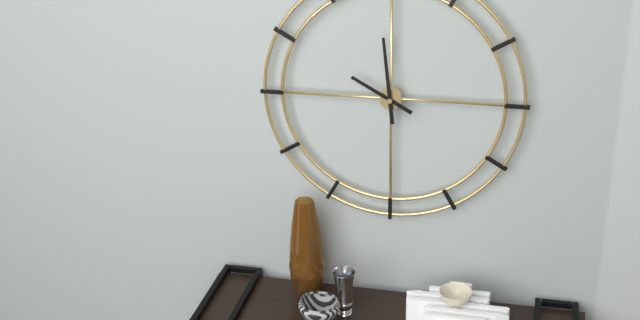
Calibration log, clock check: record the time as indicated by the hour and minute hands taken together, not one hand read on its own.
9:59
